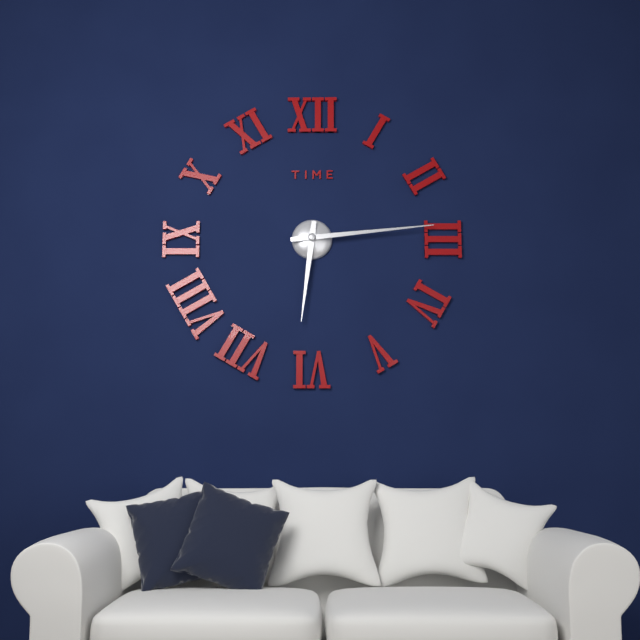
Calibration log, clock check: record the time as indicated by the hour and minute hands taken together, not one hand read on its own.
6:14
